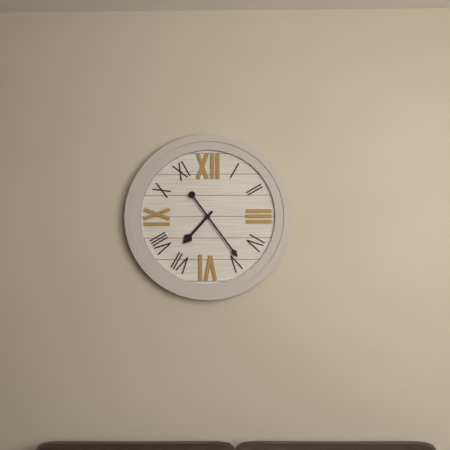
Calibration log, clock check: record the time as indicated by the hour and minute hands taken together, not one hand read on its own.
7:24
